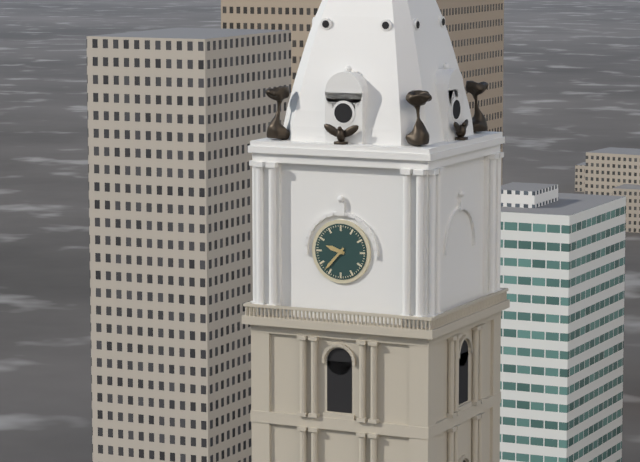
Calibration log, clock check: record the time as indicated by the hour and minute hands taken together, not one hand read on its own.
9:37
